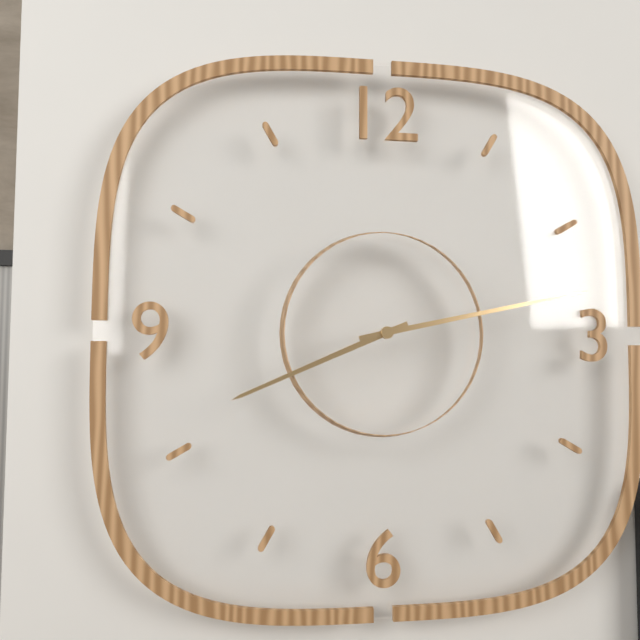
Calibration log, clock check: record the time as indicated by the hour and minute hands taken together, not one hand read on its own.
8:13
